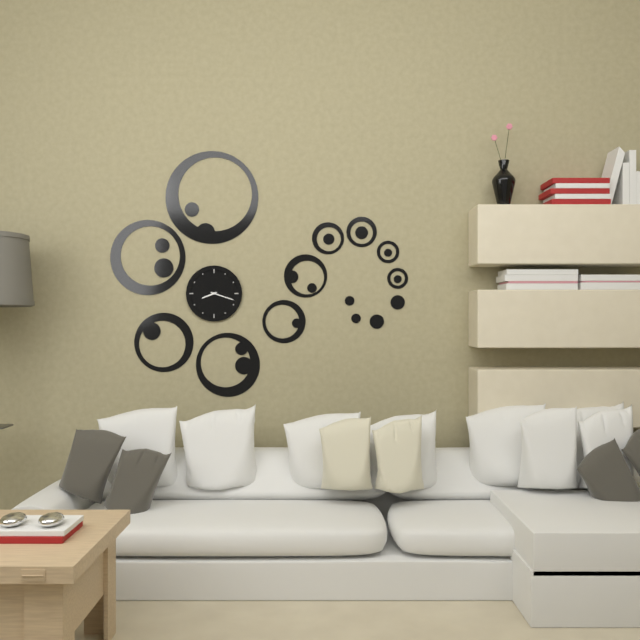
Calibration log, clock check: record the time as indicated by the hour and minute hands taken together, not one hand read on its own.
8:18
